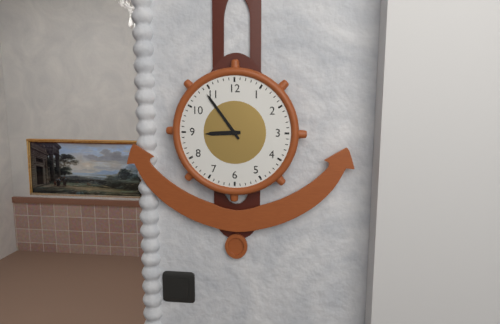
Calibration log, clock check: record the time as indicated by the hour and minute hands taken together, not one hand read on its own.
8:54
